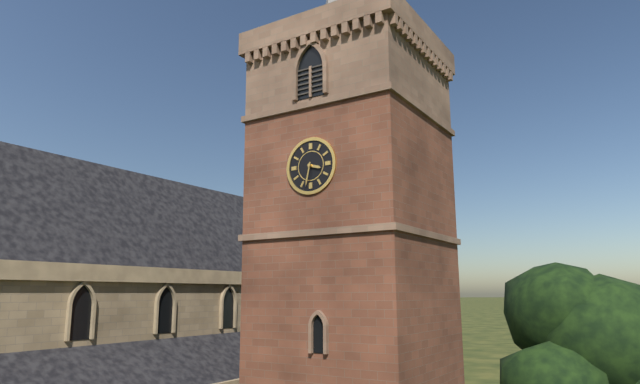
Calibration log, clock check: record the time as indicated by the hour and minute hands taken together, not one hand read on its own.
3:32
